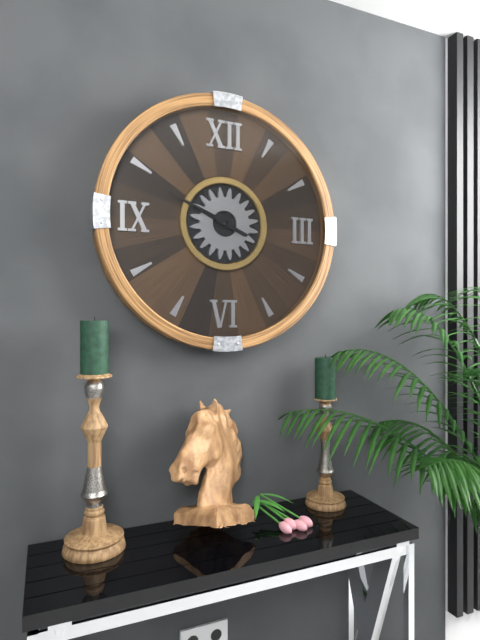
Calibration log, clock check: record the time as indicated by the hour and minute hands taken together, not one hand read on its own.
9:49
